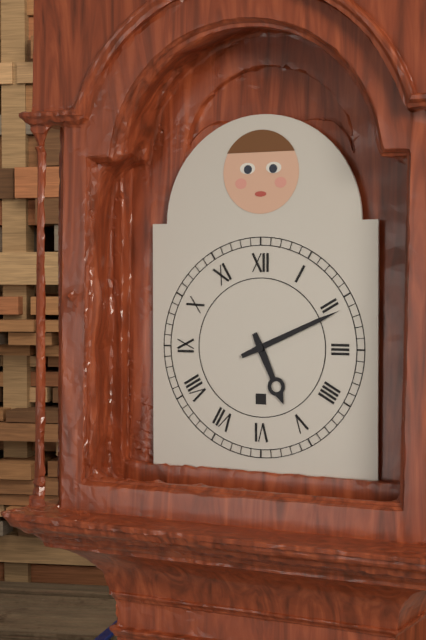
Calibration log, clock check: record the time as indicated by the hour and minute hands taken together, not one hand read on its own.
5:11
